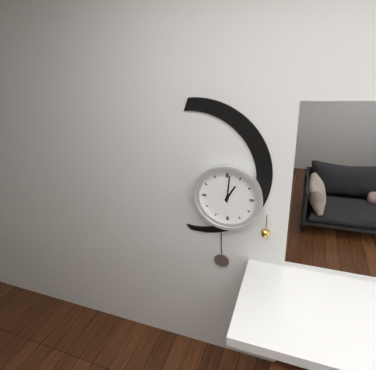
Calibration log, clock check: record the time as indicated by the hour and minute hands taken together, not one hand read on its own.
1:01
